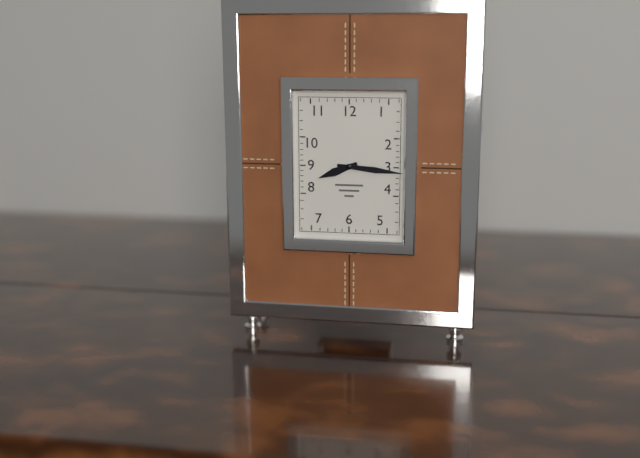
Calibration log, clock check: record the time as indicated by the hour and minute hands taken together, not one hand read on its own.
8:16
